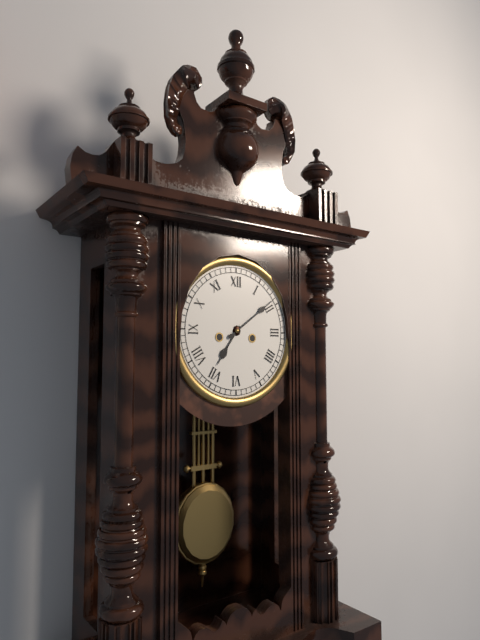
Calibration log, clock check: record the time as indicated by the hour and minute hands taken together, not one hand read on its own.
7:09
